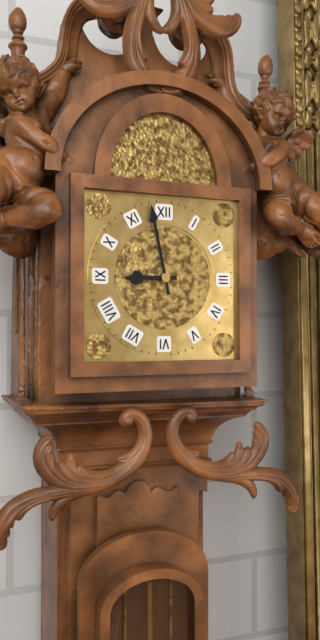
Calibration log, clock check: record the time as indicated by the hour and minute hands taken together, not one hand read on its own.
8:58
